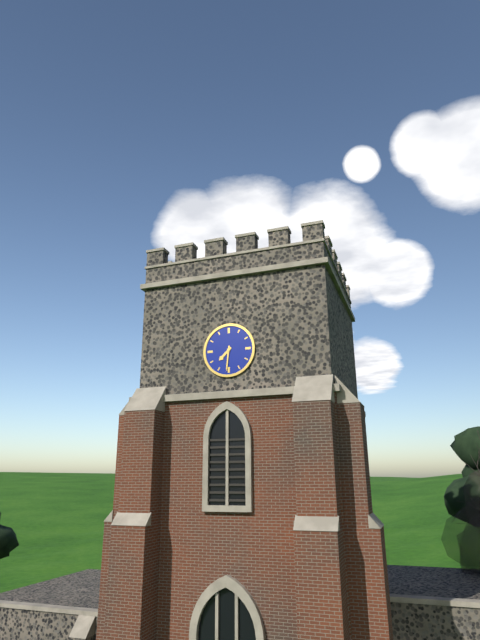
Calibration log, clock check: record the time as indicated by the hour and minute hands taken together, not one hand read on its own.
7:31
